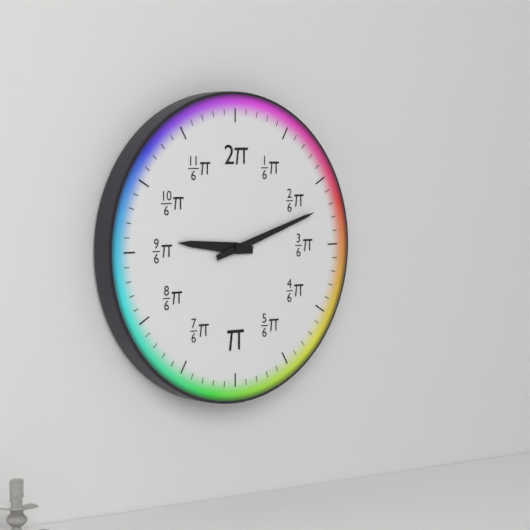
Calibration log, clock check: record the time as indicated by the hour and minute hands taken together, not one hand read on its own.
9:12
